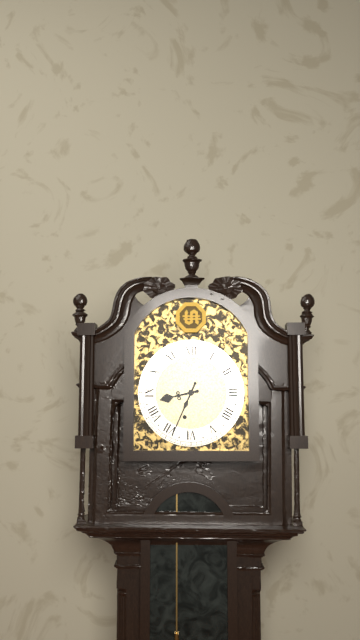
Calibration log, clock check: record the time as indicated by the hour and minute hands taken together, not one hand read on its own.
8:34
